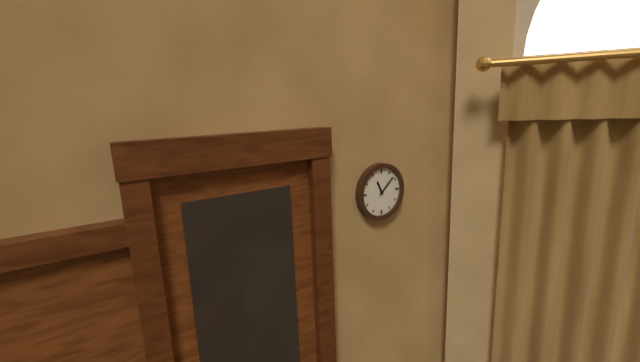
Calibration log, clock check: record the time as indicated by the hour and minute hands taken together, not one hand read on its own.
11:08
